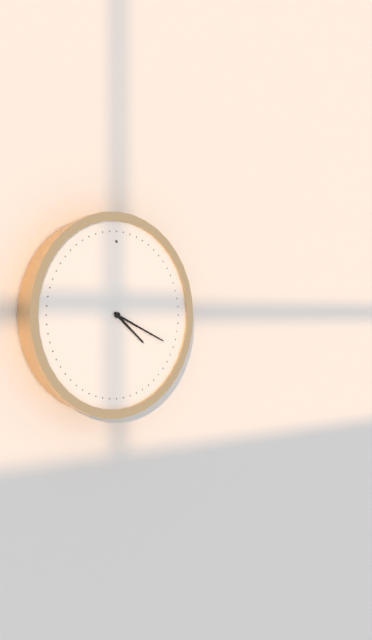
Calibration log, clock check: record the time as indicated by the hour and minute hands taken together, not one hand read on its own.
4:19
